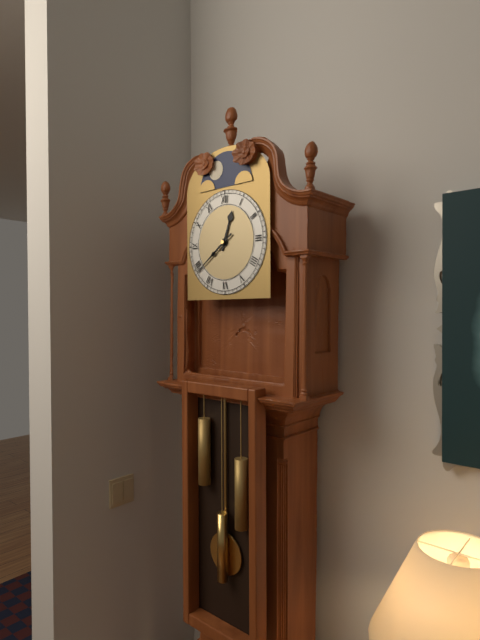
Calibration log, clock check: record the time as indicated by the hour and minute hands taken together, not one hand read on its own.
12:39
